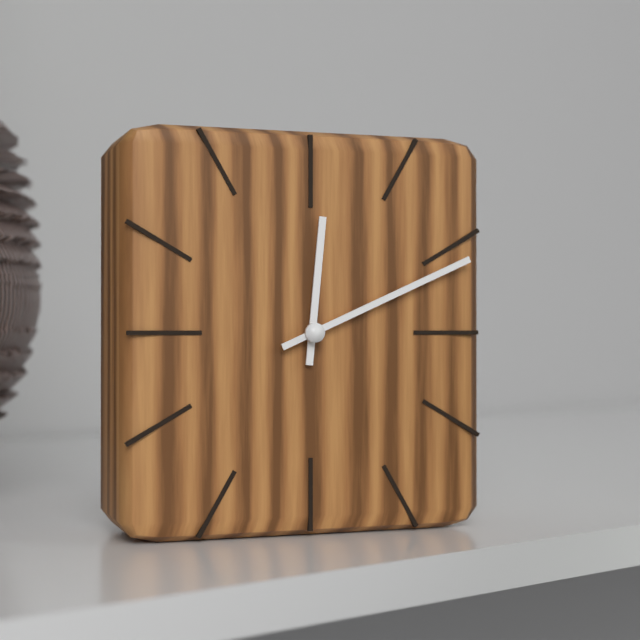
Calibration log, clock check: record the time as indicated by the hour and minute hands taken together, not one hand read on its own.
12:11
